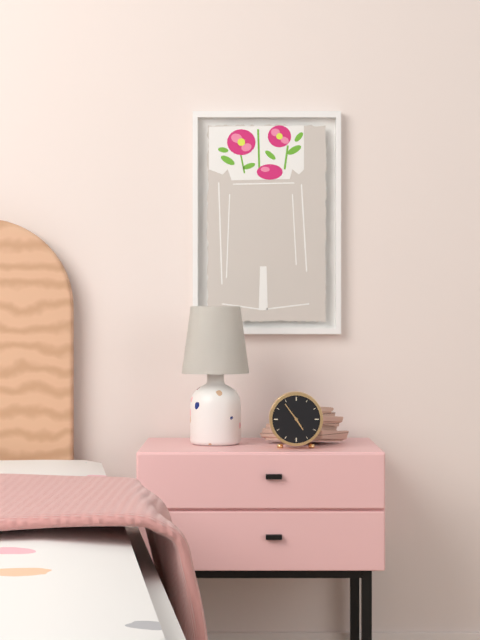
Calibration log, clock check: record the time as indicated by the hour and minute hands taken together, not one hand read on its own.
4:54
